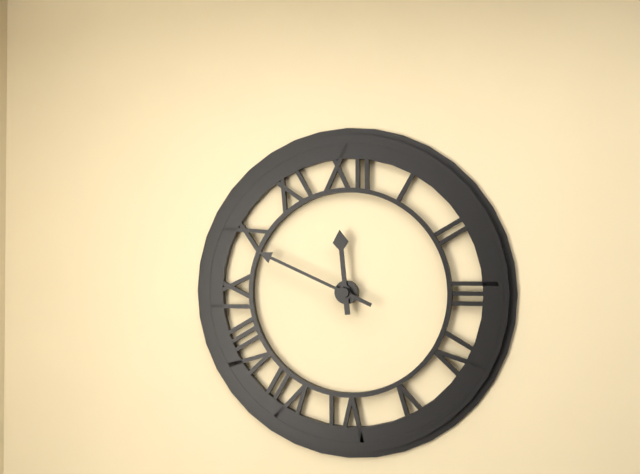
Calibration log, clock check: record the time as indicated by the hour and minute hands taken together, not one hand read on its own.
11:49
